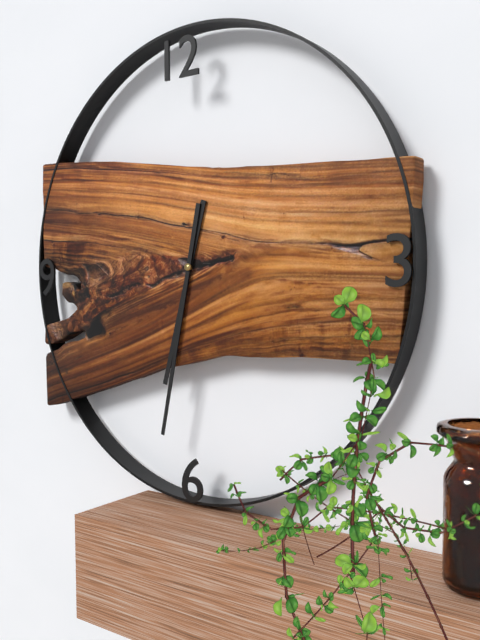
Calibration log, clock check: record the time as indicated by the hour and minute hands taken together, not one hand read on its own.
6:32
